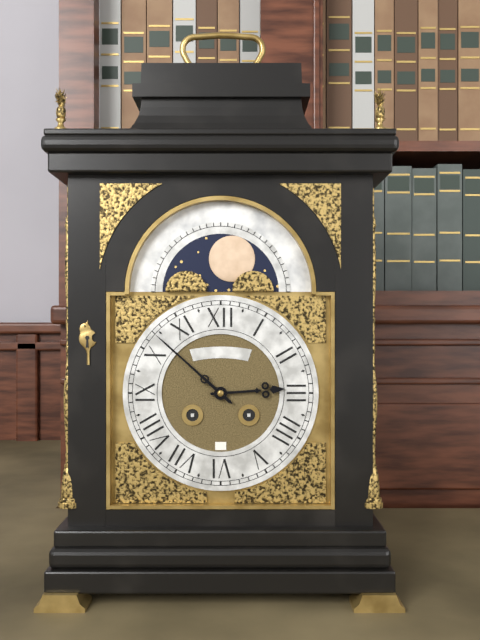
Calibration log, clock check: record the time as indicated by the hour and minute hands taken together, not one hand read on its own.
2:52
